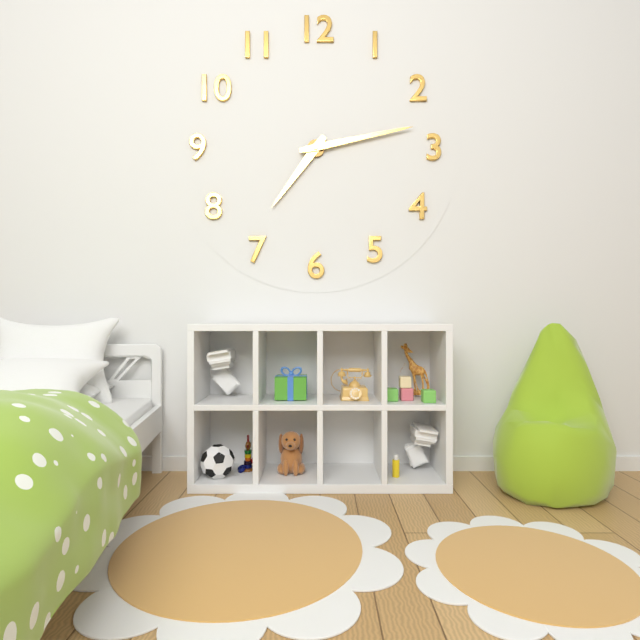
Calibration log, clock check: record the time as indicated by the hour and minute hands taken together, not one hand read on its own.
7:13
